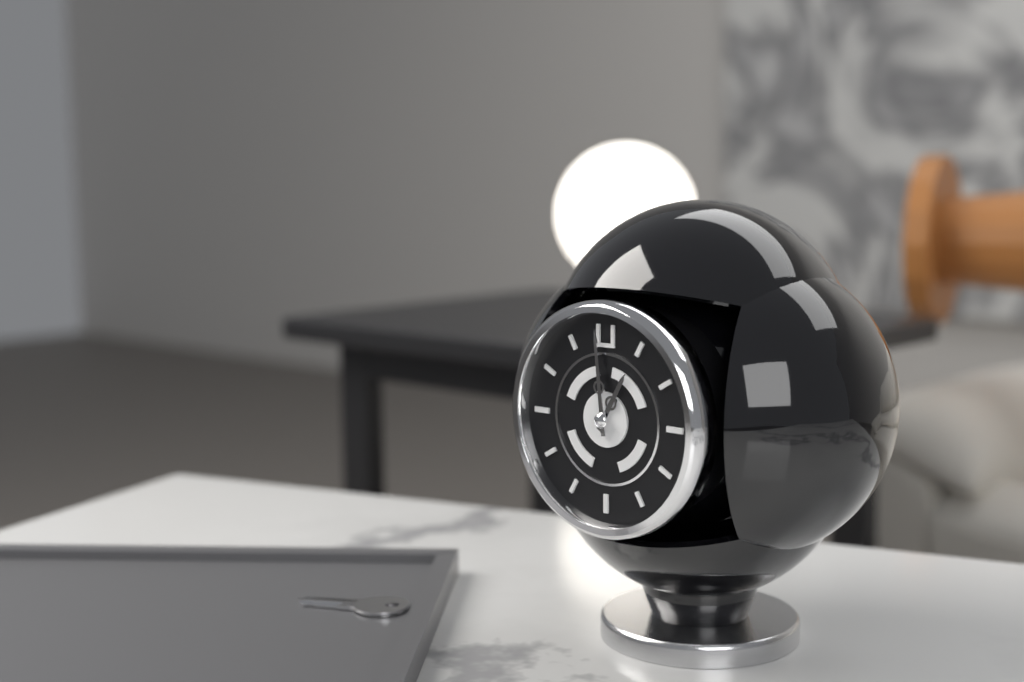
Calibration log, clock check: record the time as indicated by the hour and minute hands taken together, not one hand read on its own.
12:59
